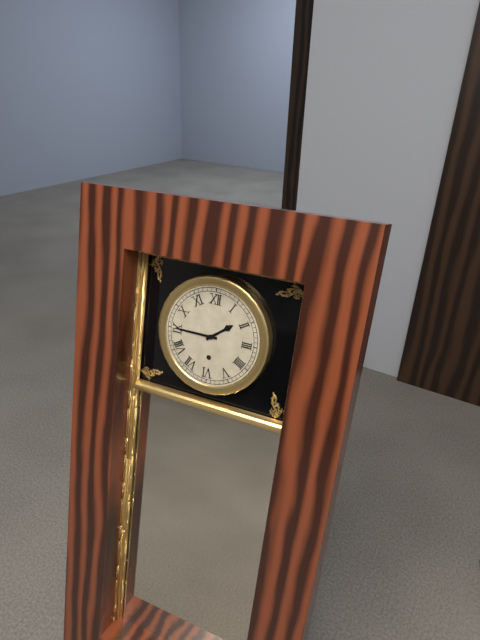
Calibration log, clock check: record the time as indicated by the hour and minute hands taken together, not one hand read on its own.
1:45
